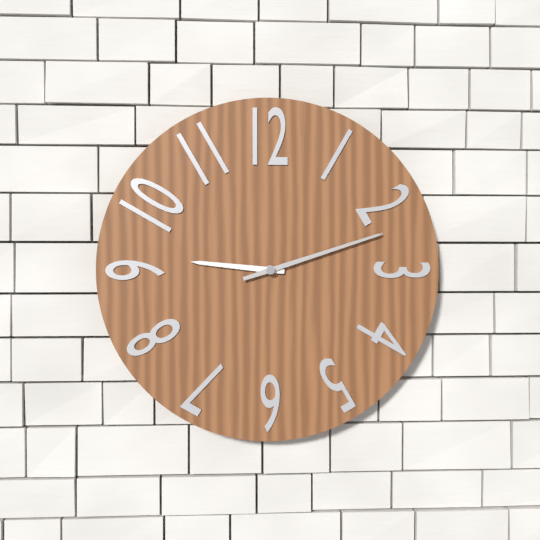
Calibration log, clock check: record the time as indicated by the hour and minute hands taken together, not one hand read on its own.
9:12
